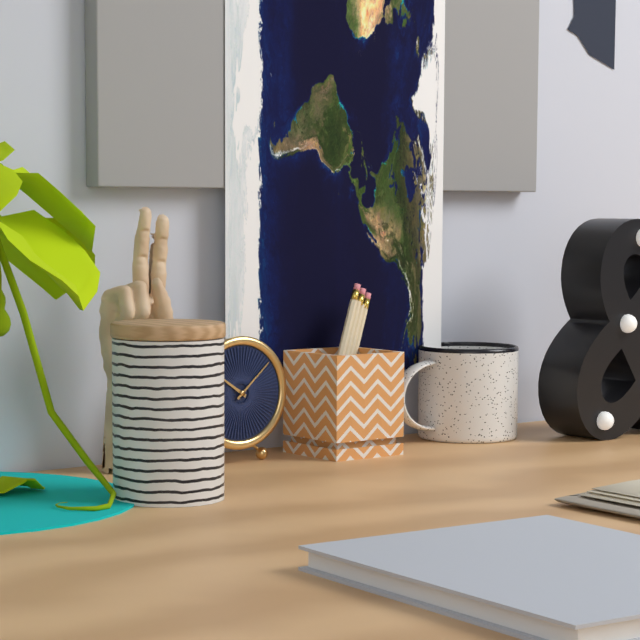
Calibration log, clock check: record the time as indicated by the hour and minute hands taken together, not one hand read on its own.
10:08
